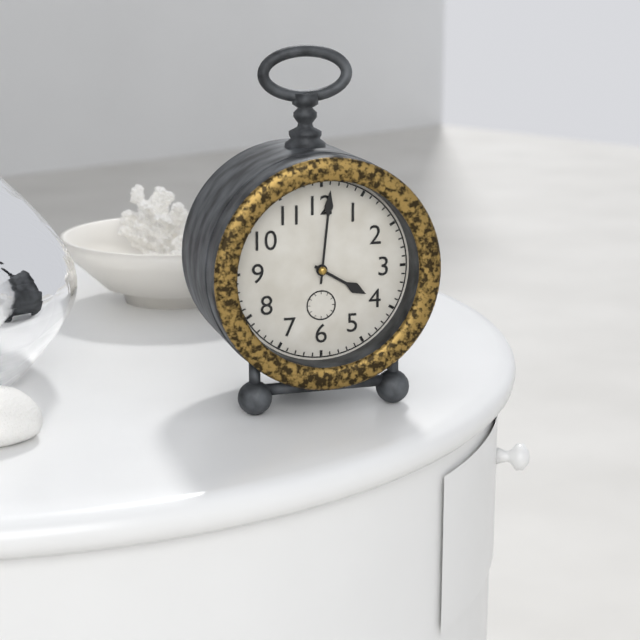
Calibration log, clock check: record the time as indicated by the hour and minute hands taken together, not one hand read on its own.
4:01
